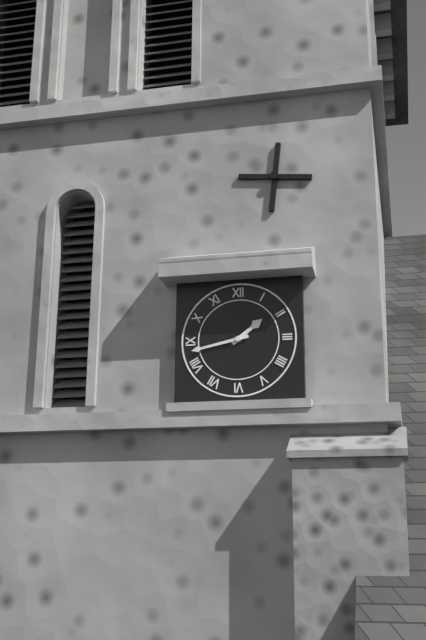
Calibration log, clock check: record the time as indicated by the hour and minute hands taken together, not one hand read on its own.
1:43
